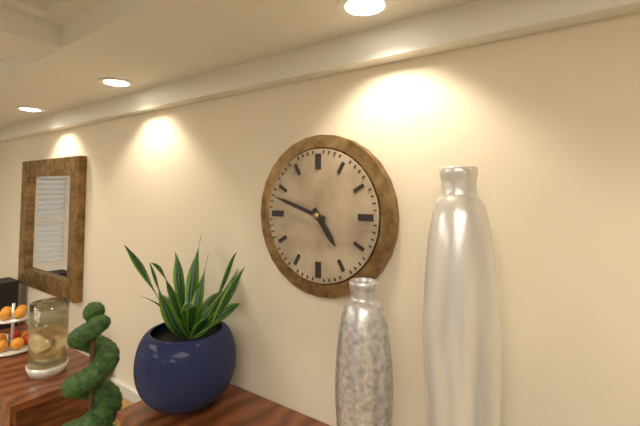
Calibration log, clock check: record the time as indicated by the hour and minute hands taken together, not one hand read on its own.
4:48
